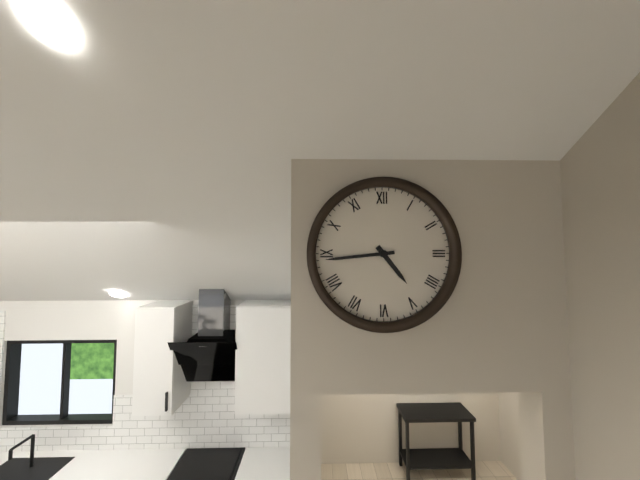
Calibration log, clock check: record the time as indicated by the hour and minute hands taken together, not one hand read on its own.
4:44
